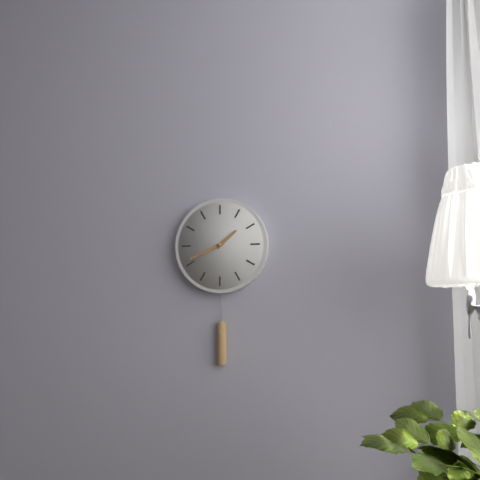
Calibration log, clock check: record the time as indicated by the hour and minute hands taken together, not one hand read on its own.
1:41
